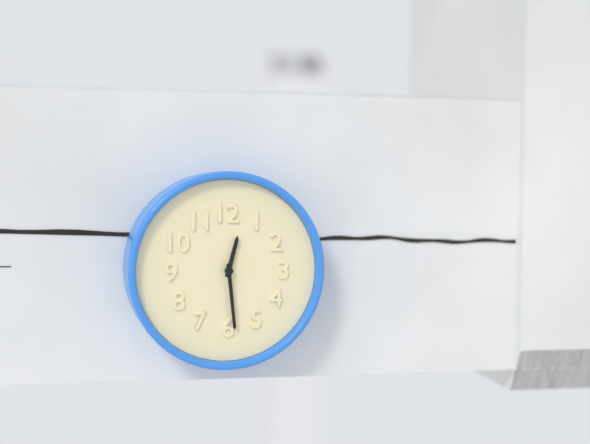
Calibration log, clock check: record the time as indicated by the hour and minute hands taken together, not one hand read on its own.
12:29
